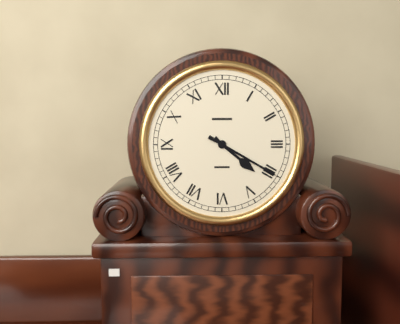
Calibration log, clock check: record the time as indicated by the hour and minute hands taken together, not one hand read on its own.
4:20
